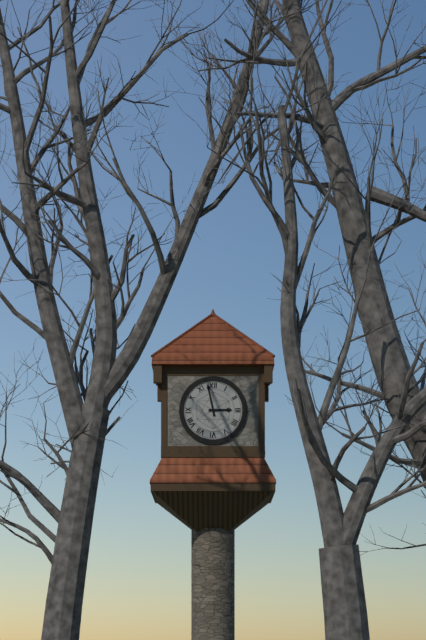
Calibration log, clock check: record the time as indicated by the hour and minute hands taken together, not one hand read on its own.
2:58
